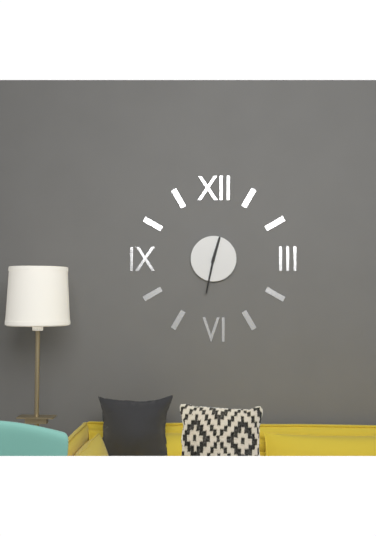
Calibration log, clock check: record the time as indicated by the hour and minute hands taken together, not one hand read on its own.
12:32
